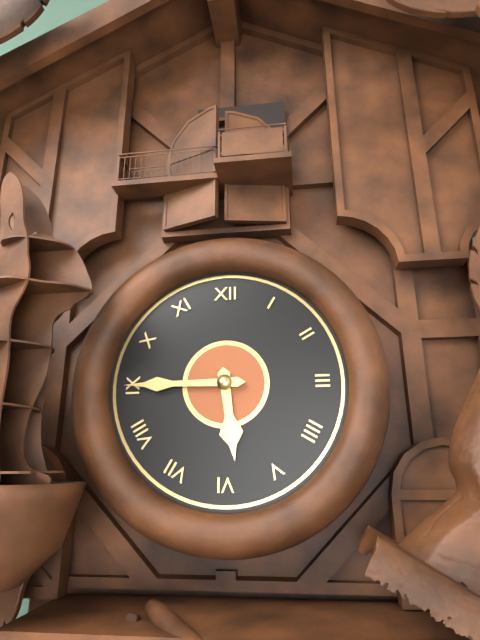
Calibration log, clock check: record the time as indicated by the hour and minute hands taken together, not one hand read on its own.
5:45
